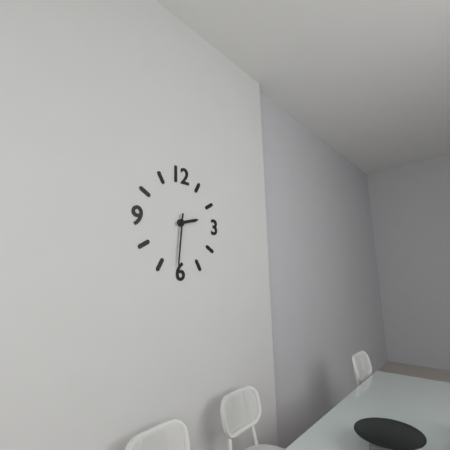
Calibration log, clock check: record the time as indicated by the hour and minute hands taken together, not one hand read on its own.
2:31
